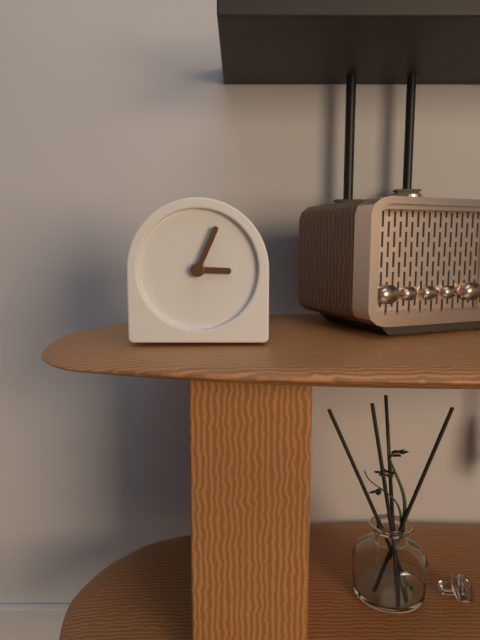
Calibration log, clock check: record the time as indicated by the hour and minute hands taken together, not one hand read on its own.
3:04
